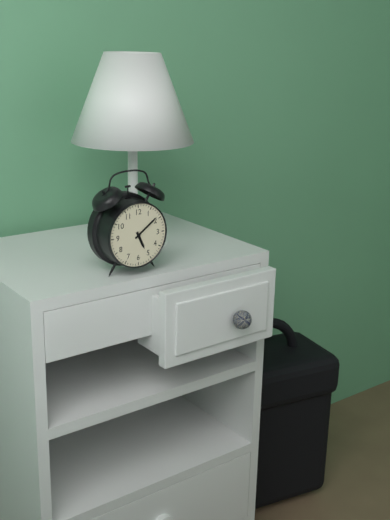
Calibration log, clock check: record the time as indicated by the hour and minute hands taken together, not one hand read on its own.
5:09
